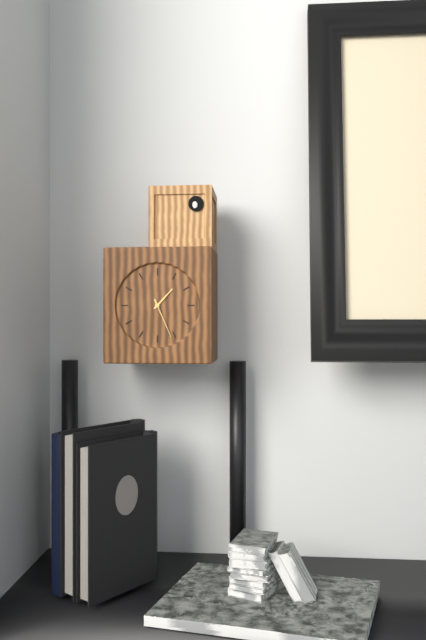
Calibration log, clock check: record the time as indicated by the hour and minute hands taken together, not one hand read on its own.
1:26
